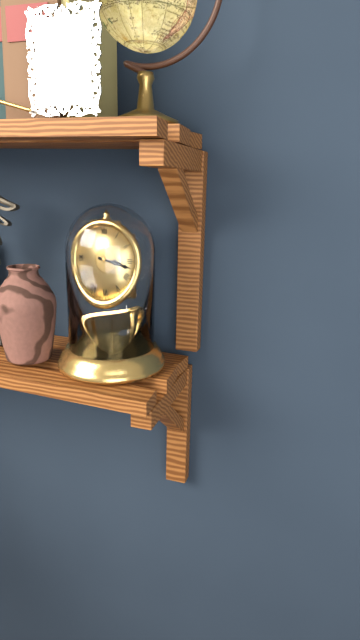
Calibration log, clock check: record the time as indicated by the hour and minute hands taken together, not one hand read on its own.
3:17
